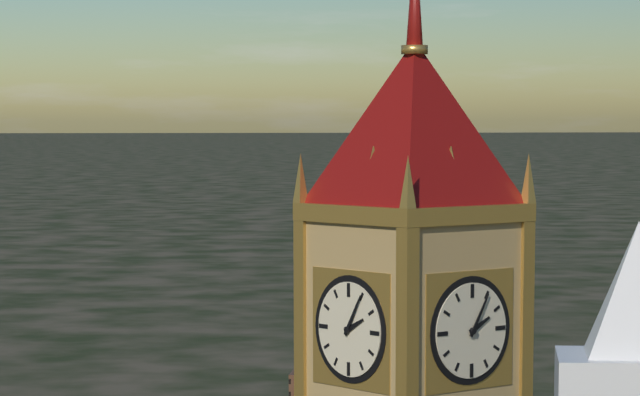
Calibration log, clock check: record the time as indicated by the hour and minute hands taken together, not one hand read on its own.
2:05
